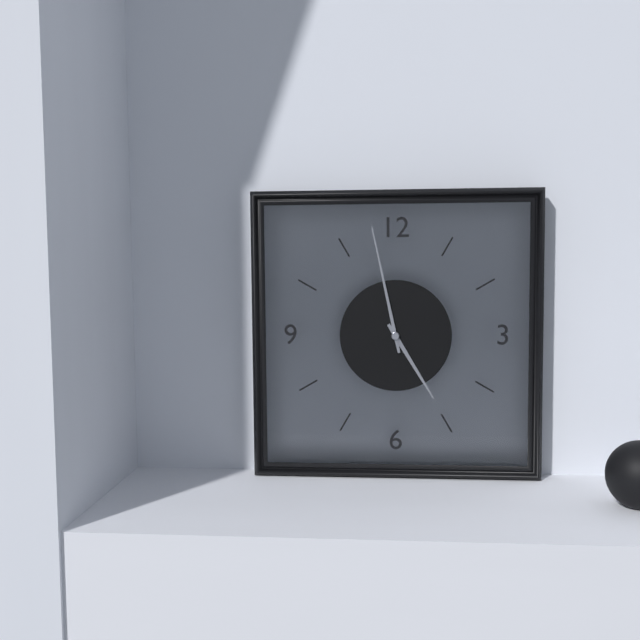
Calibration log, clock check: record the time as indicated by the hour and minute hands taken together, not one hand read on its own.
4:58
